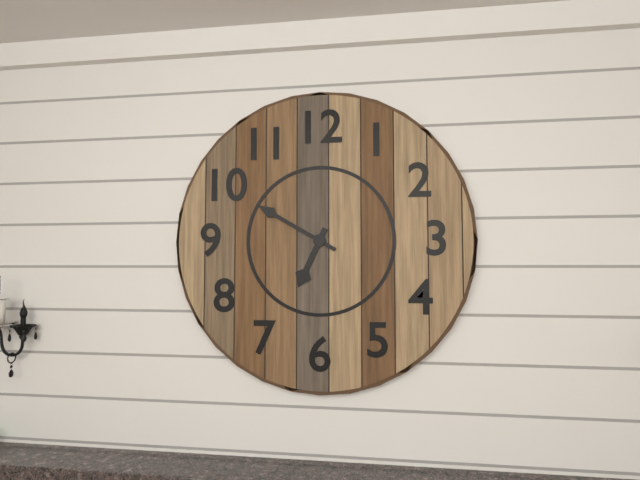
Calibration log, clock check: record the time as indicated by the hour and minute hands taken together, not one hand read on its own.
6:50
